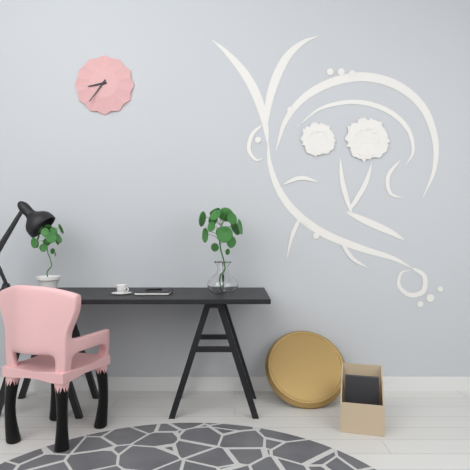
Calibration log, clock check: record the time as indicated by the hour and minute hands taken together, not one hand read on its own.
8:36
